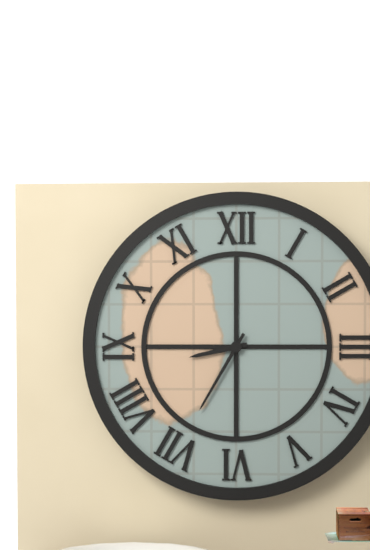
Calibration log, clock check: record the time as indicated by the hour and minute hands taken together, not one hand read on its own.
8:35
